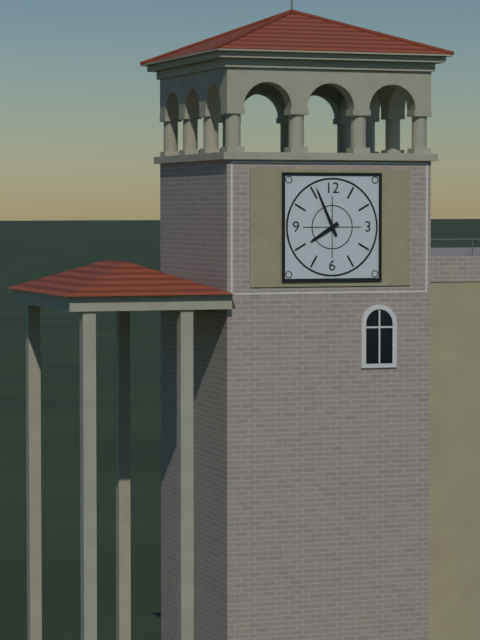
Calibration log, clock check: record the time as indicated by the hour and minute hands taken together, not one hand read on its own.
7:56
